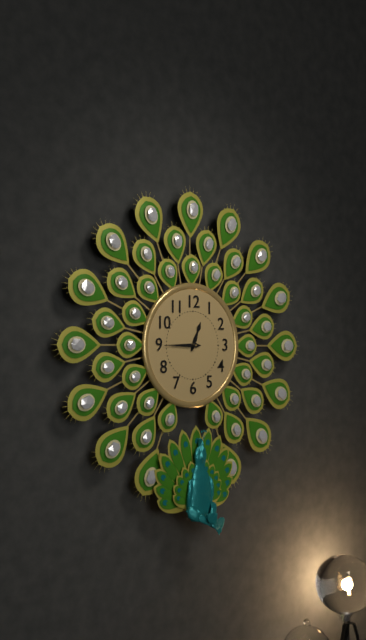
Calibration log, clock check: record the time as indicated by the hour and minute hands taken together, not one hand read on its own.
12:45
